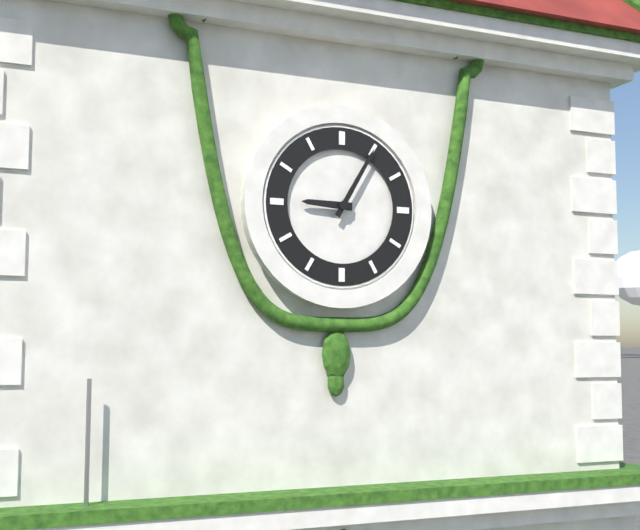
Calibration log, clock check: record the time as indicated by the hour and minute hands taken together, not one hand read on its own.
9:05
